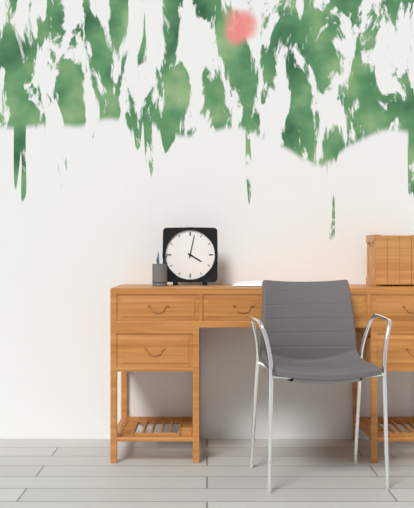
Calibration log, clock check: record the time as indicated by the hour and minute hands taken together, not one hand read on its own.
4:02
